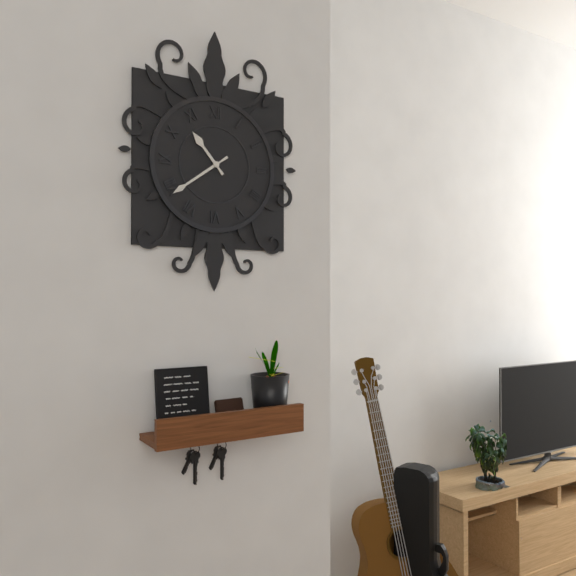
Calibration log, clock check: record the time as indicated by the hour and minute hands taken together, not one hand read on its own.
10:39
